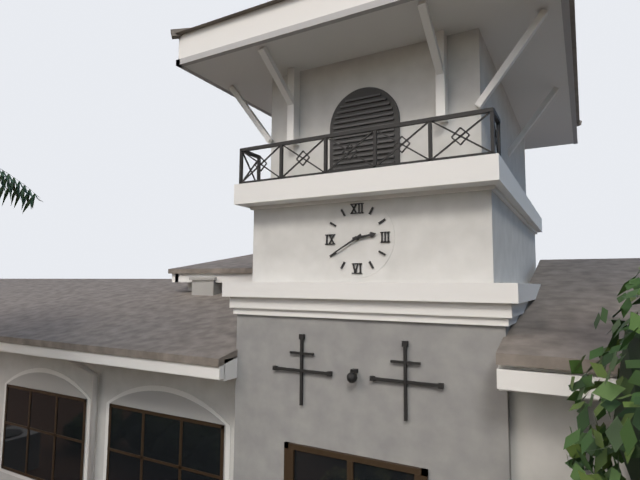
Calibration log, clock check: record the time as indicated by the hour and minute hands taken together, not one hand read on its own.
2:40
